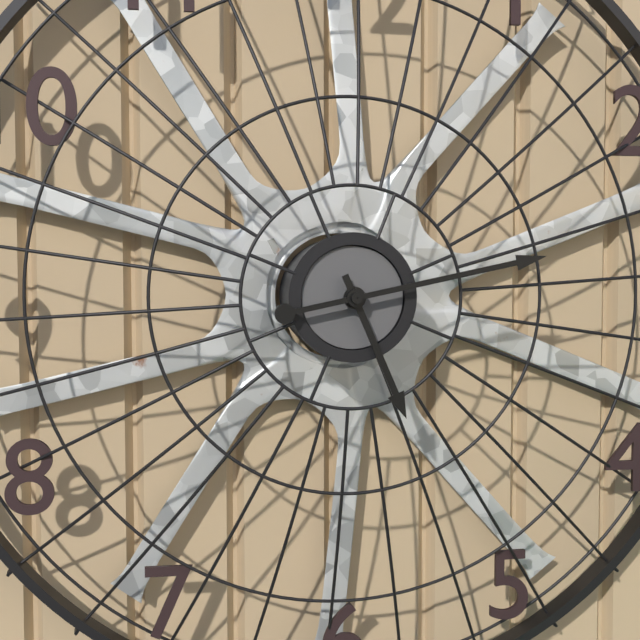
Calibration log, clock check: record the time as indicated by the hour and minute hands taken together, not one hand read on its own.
5:13
